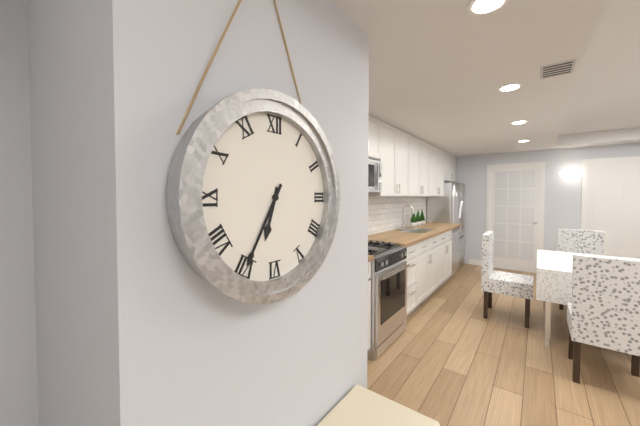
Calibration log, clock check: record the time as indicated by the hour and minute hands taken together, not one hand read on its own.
6:35
